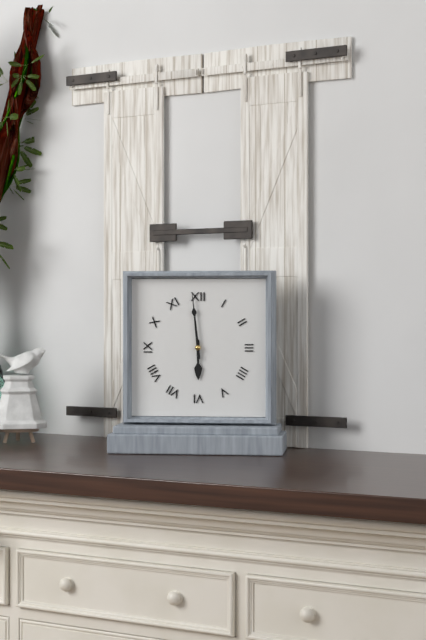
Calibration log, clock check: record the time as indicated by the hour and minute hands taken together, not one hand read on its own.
5:59
